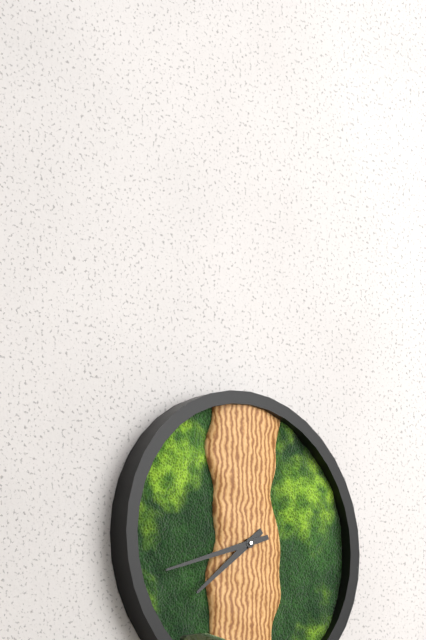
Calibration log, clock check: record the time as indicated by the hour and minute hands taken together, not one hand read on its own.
7:42
